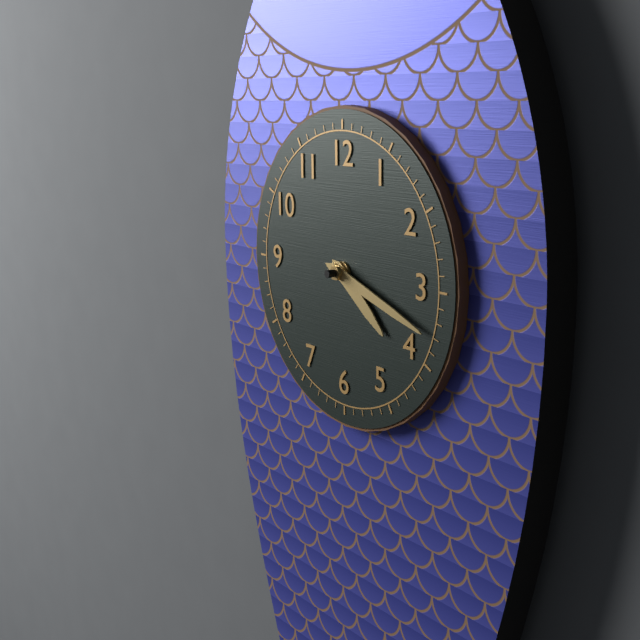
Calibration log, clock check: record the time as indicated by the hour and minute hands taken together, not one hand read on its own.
4:18
